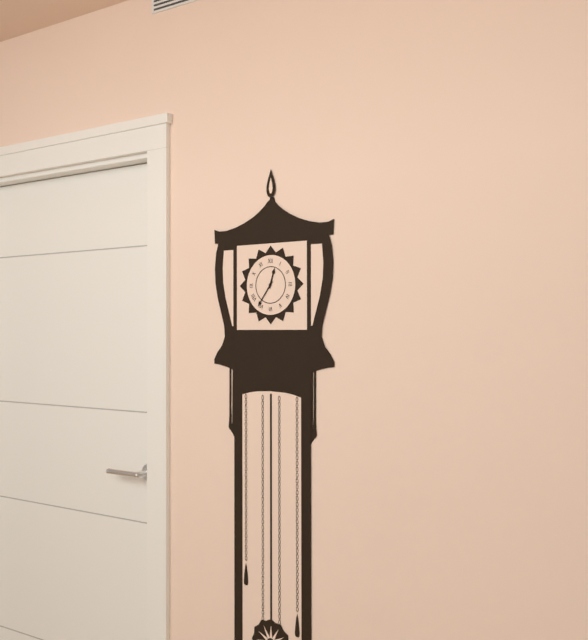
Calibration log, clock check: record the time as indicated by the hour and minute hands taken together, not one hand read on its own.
12:36
